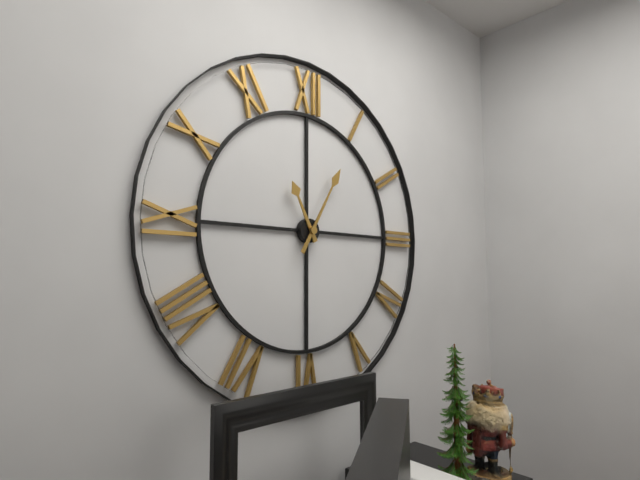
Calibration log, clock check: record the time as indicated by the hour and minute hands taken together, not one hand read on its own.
11:05
